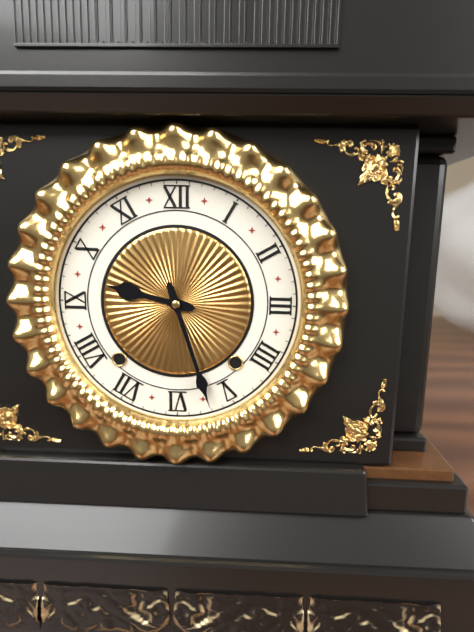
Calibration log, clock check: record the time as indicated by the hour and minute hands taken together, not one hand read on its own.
9:27
